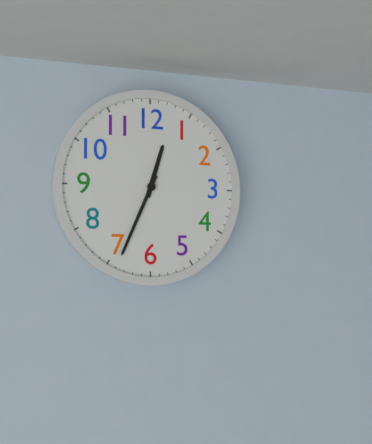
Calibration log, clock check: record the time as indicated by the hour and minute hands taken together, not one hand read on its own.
12:34
